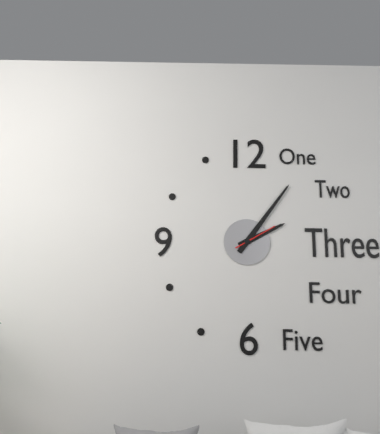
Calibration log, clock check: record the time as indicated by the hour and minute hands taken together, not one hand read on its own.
2:06
